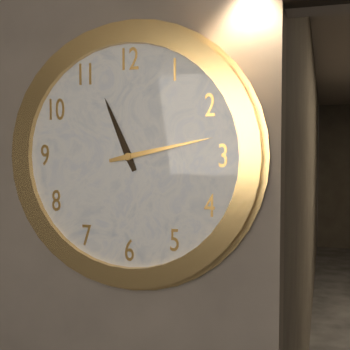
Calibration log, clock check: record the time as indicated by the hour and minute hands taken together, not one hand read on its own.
11:13
